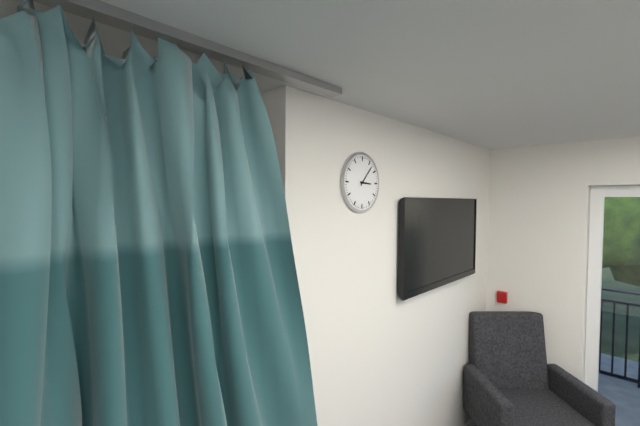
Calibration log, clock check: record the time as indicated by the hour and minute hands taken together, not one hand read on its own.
3:07
